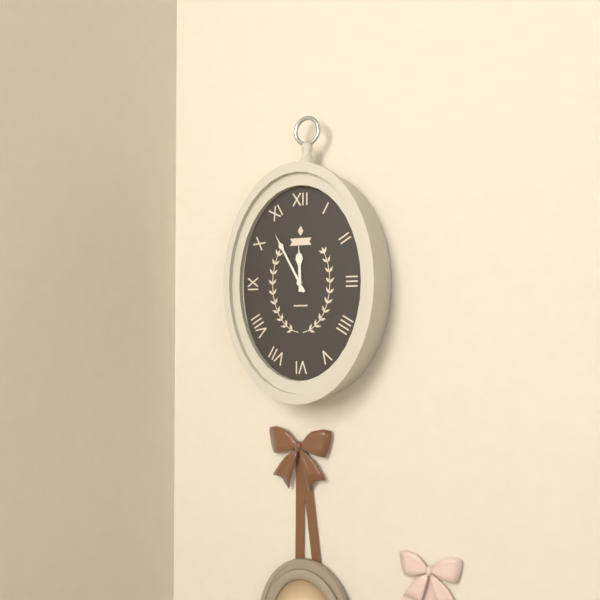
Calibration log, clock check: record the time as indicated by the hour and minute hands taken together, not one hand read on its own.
11:55
